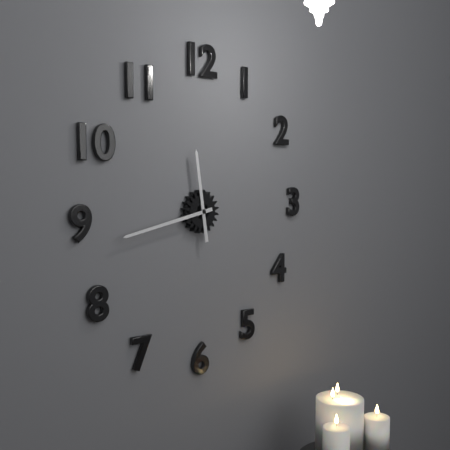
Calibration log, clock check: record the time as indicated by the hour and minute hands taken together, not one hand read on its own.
11:43
